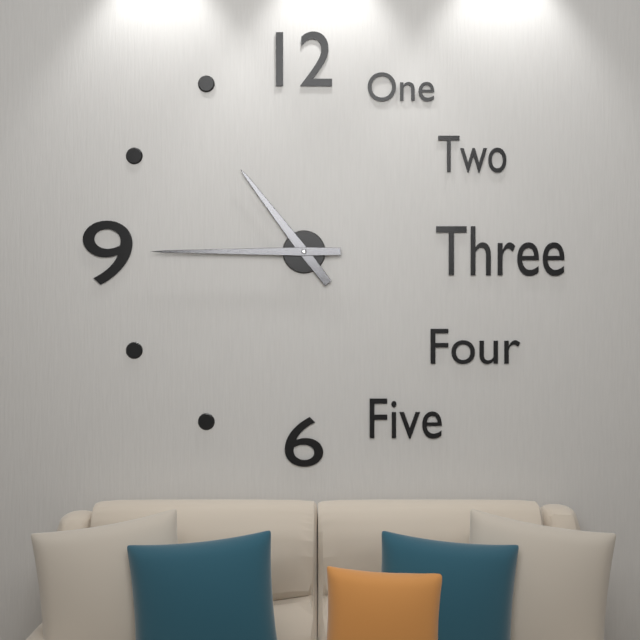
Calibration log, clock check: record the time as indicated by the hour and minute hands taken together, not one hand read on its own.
10:45
